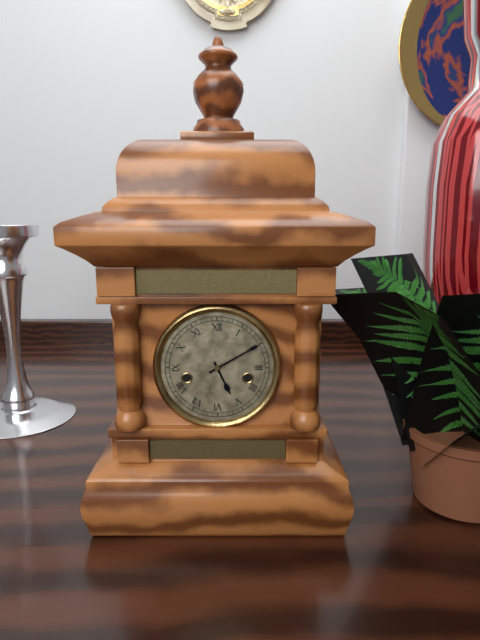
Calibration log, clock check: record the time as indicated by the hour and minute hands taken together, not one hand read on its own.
5:10
